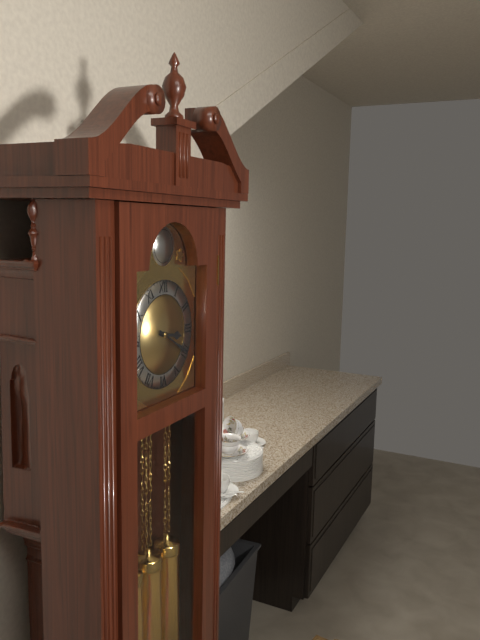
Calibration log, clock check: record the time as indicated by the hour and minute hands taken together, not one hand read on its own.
3:20
